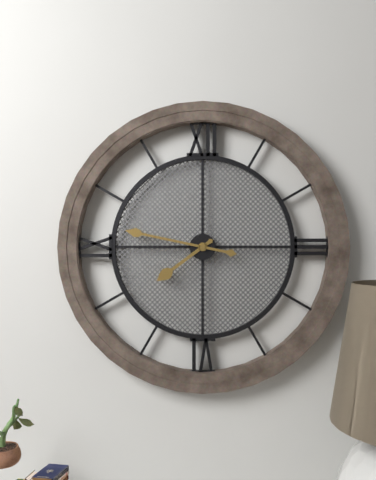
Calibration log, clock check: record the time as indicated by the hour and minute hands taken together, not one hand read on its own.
7:47
